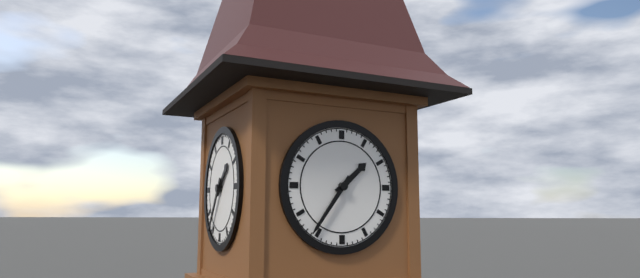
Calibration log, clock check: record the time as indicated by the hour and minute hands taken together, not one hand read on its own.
1:36
